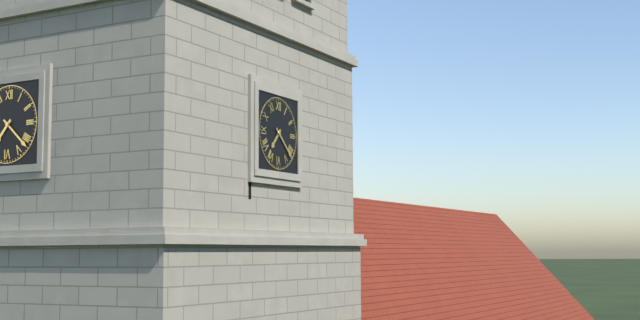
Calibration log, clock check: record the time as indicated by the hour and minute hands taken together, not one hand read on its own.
7:22
